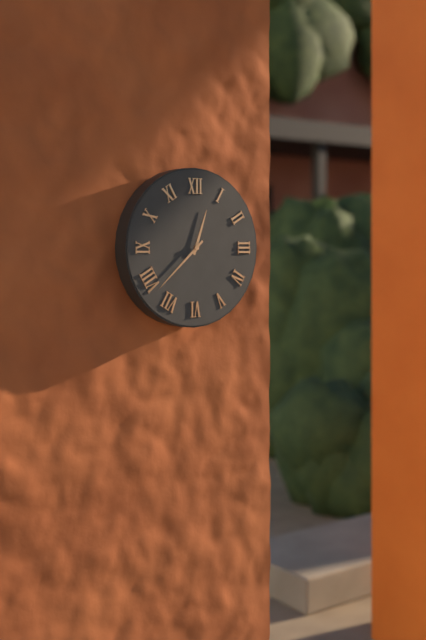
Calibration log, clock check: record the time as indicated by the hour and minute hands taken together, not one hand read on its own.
12:38
